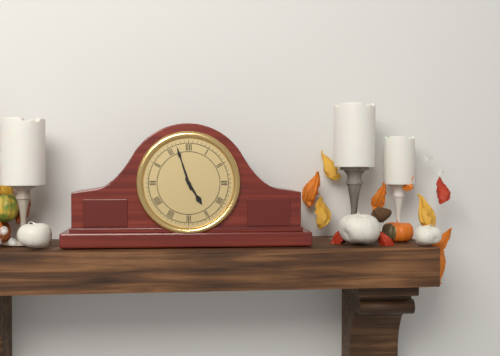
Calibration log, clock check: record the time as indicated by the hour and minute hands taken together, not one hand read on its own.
4:57
